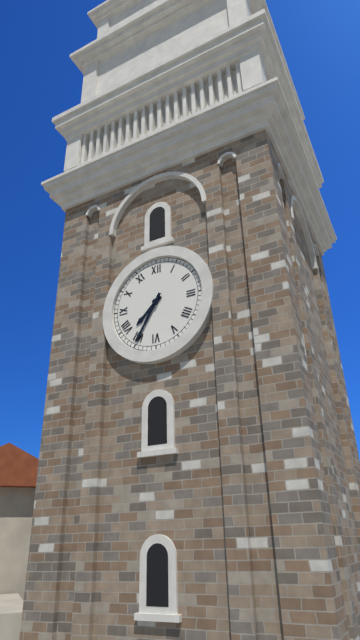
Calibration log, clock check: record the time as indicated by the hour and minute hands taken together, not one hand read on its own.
7:35
